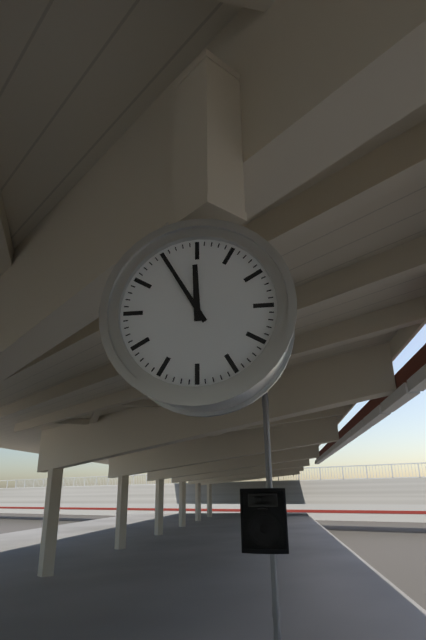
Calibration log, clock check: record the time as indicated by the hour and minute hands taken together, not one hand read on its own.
11:55
